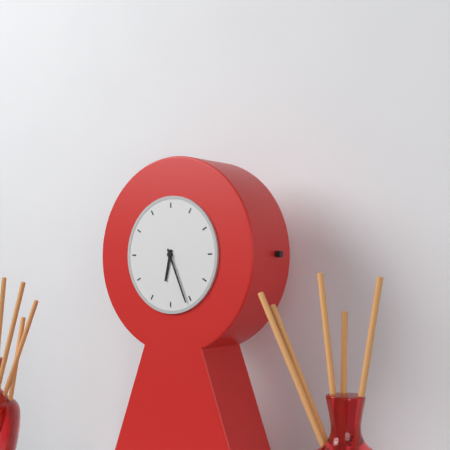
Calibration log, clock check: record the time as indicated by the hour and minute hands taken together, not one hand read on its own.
6:26
